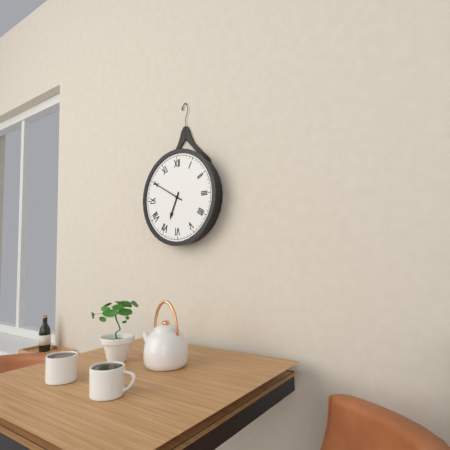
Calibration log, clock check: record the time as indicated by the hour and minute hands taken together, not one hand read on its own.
6:50
